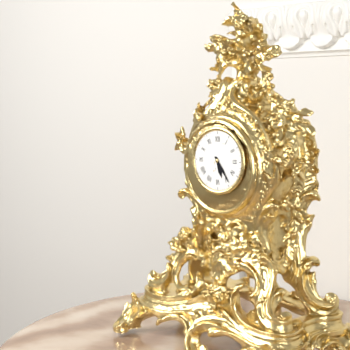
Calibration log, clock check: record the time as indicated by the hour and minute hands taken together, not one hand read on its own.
5:24
